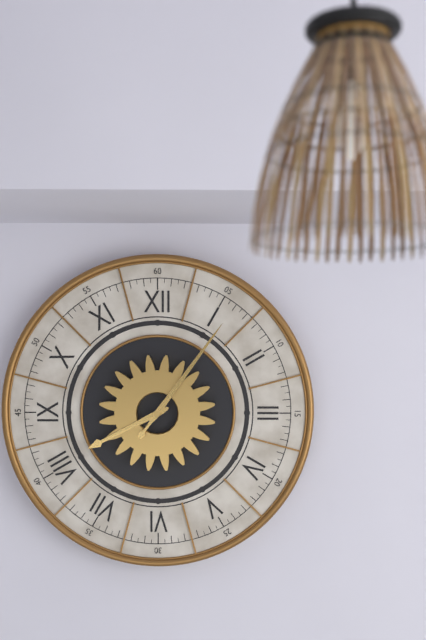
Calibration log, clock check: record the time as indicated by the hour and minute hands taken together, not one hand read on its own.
8:06
